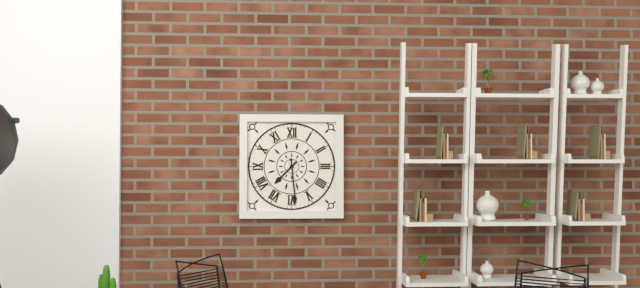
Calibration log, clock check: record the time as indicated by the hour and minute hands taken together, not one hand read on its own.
7:29
